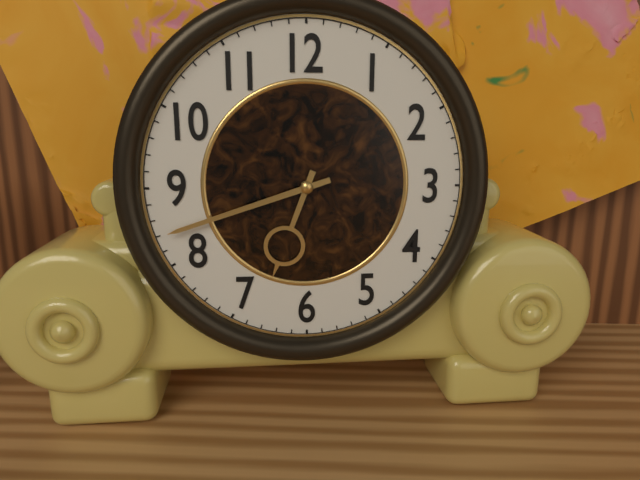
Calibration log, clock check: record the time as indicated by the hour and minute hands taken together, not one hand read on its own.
6:42
